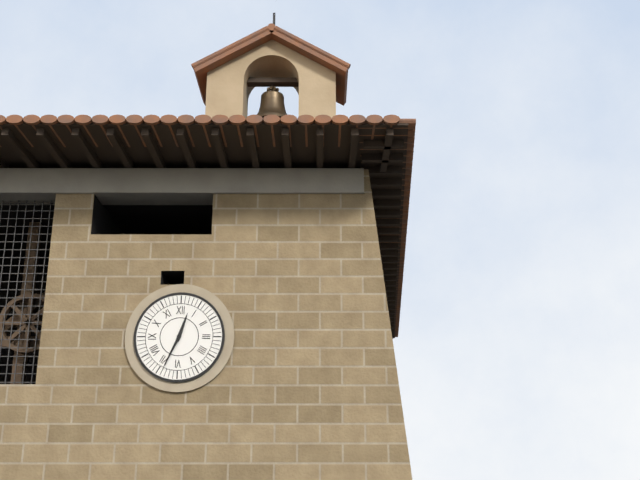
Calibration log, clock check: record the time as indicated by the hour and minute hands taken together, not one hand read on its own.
12:34
